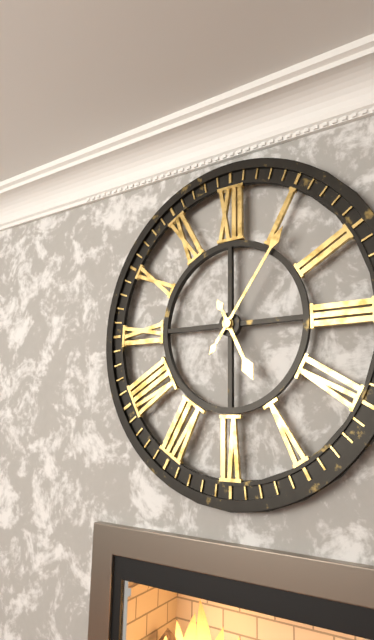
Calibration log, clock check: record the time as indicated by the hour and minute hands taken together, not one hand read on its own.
5:06
